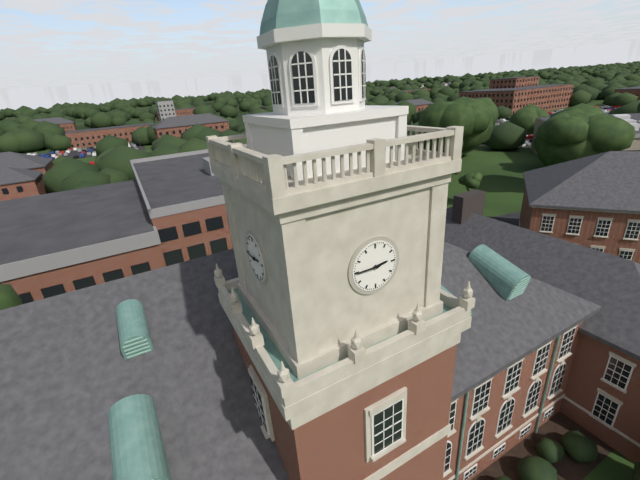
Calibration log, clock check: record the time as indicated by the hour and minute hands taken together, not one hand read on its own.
2:45
